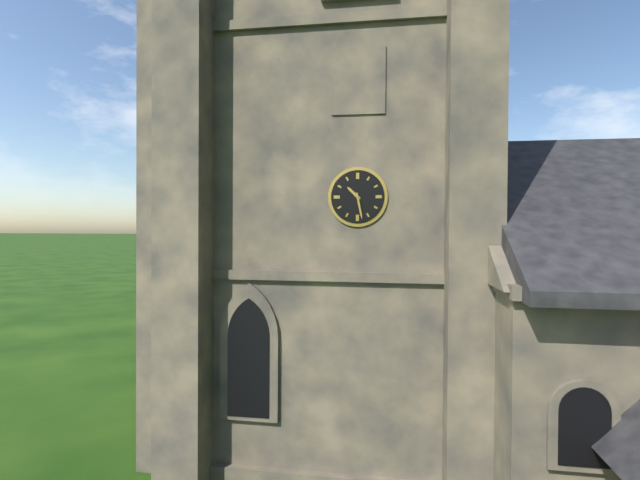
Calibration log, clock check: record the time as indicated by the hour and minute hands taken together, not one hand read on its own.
10:28
